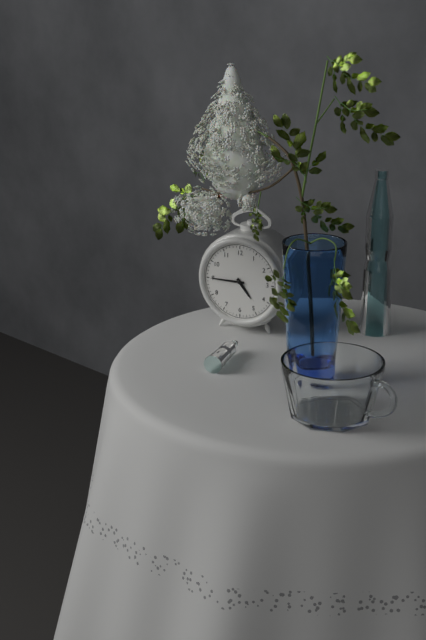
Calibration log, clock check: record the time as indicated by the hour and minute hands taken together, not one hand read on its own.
4:45
